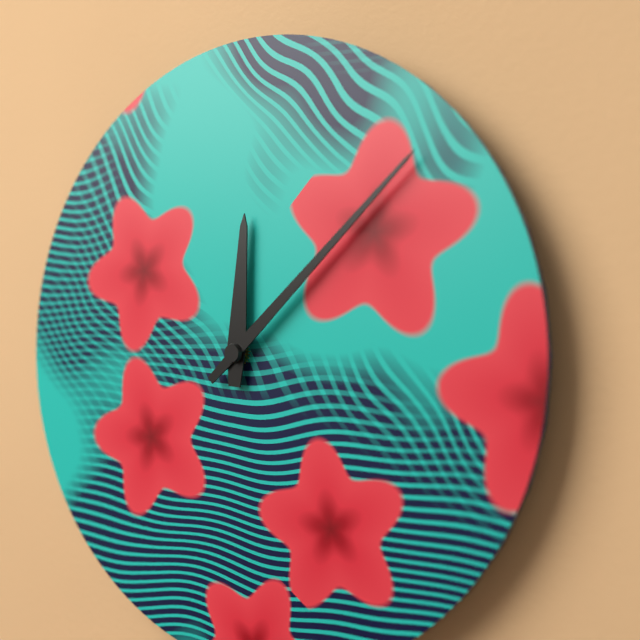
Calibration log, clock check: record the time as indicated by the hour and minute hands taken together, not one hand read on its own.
12:08
